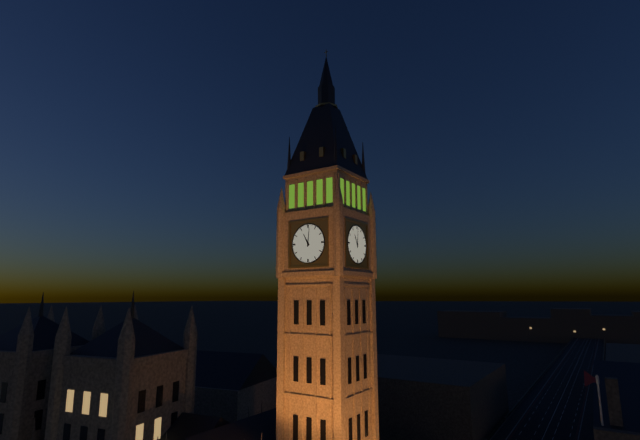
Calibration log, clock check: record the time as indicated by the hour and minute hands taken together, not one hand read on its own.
11:01
